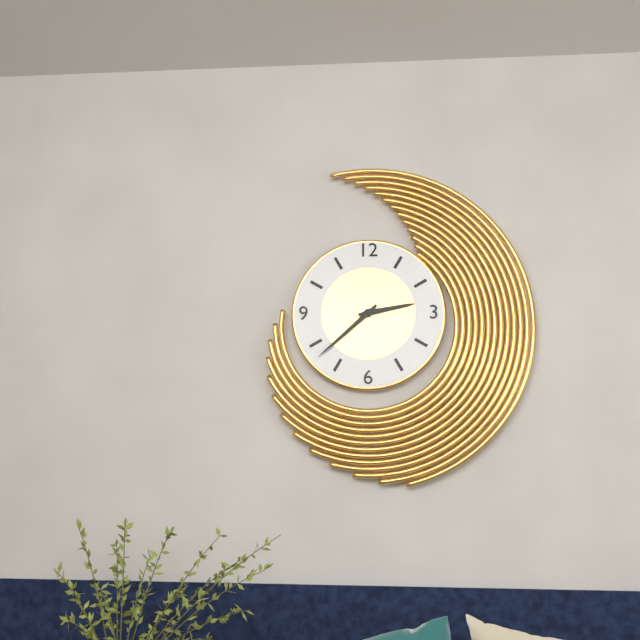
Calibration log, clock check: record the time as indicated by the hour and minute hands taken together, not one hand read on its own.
2:38
